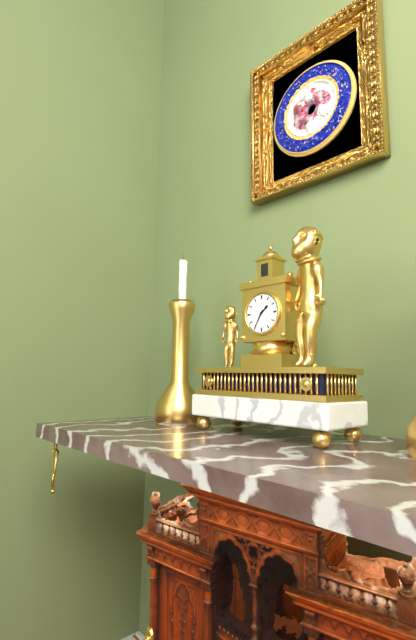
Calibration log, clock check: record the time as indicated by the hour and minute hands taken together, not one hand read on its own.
1:35
